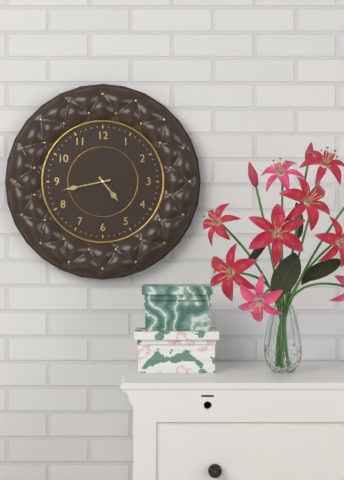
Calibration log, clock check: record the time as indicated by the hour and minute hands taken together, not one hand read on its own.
4:43
